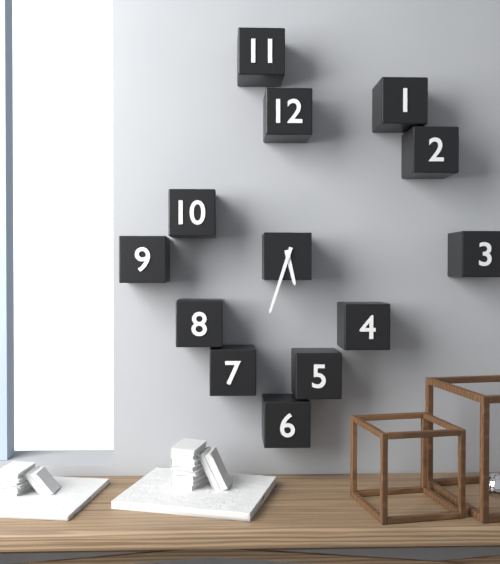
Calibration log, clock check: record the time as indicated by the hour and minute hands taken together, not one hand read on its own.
5:33
